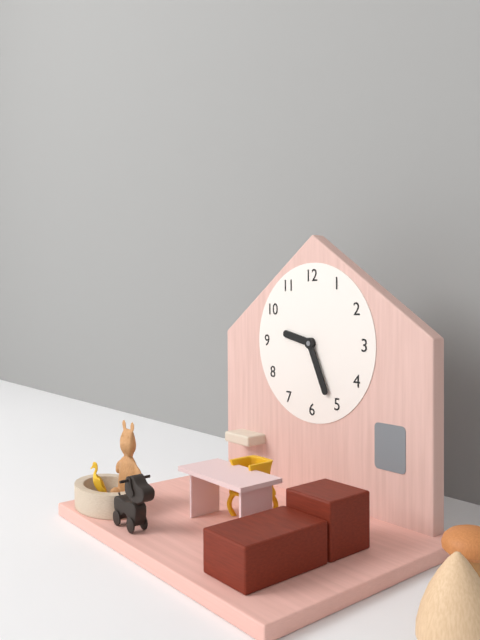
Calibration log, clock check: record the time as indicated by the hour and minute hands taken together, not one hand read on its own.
9:26
